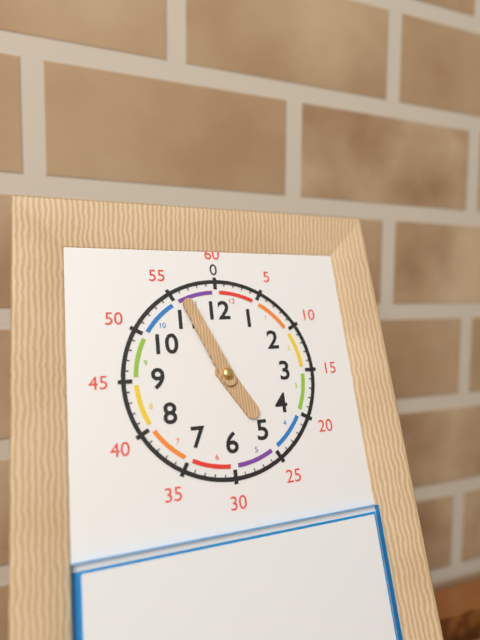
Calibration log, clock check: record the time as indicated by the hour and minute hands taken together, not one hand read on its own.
4:56
